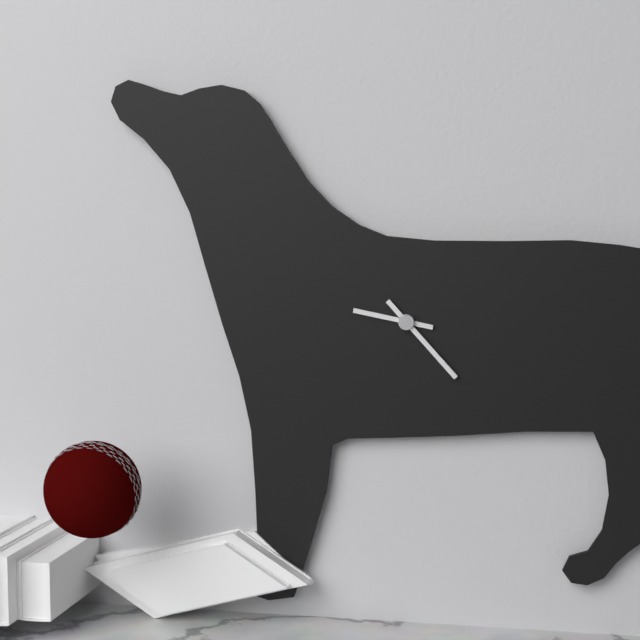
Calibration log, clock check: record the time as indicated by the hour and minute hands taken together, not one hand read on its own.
9:23
